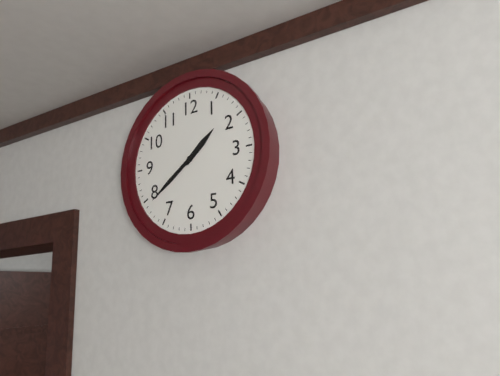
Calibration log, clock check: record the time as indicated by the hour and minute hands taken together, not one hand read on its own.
1:39
